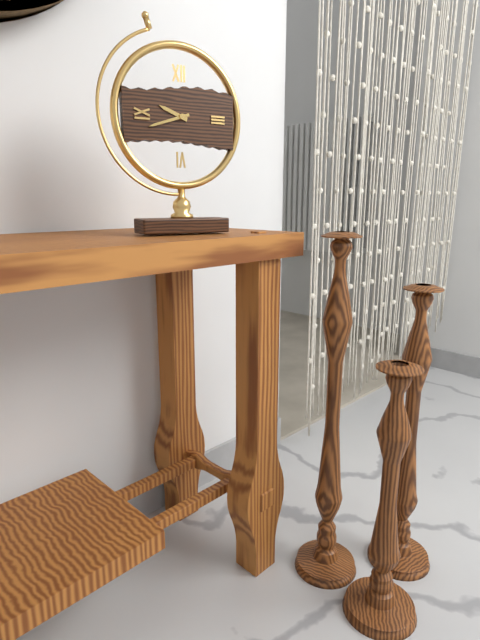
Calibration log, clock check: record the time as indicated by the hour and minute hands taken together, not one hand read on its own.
9:42
